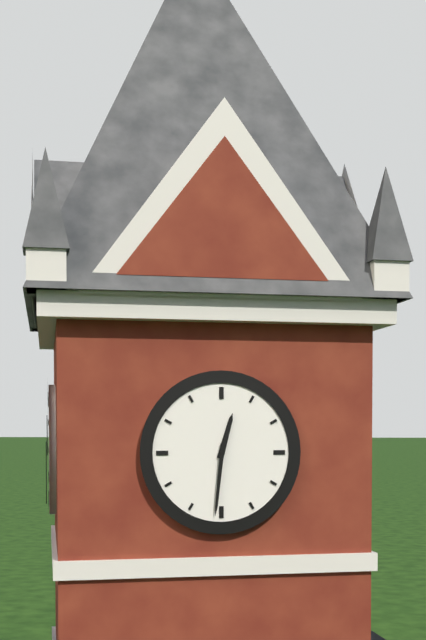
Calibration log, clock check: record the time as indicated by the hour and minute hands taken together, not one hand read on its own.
12:31
